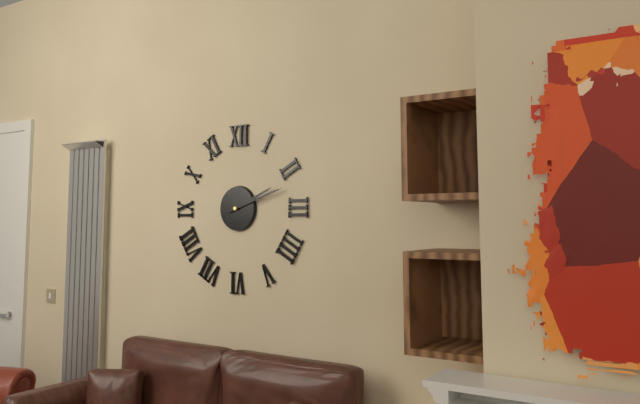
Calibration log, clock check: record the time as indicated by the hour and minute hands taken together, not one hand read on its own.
2:12
